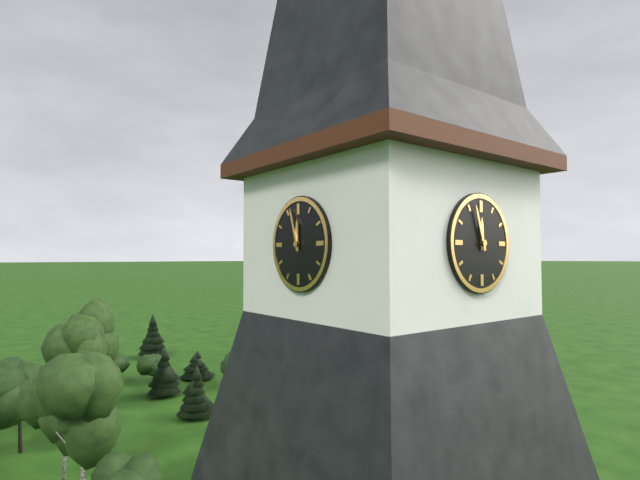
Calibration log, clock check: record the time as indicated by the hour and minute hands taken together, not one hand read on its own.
11:57
